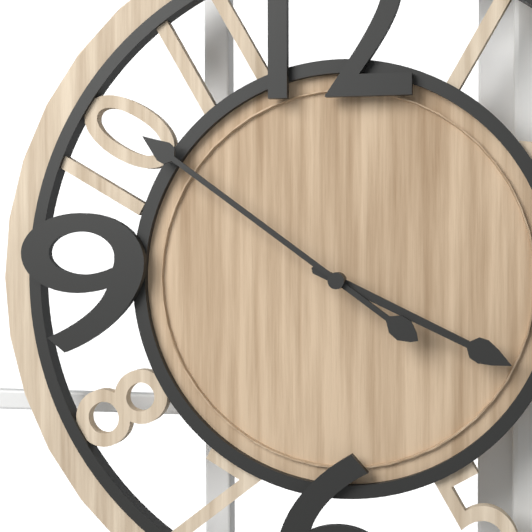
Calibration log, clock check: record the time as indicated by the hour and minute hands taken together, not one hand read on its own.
3:51
